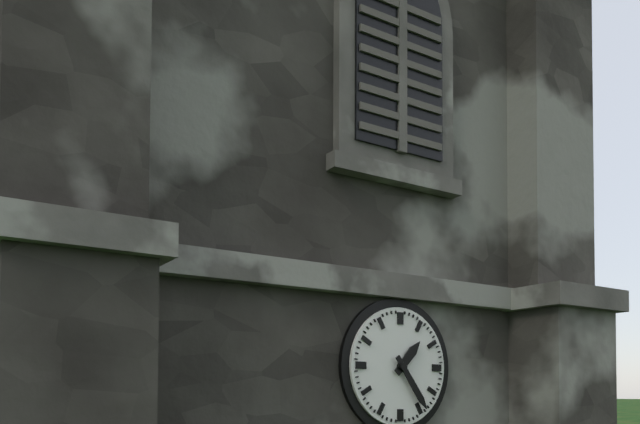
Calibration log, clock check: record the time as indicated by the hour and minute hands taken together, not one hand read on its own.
1:24
